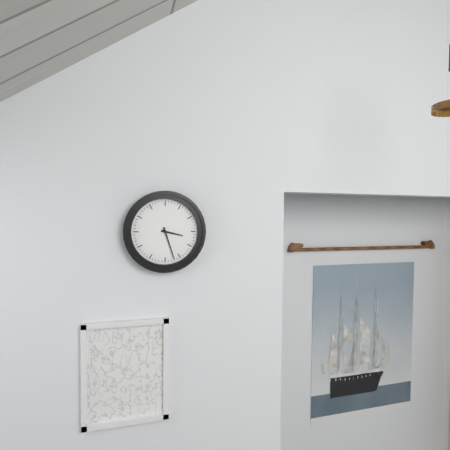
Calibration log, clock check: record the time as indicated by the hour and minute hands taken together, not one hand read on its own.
3:27
